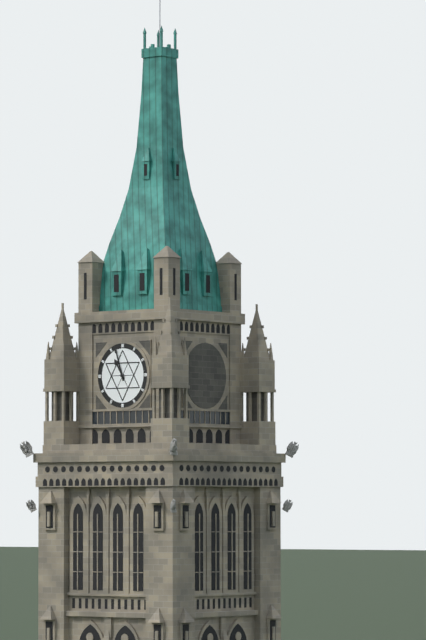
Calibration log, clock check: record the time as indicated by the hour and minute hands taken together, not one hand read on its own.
10:57
